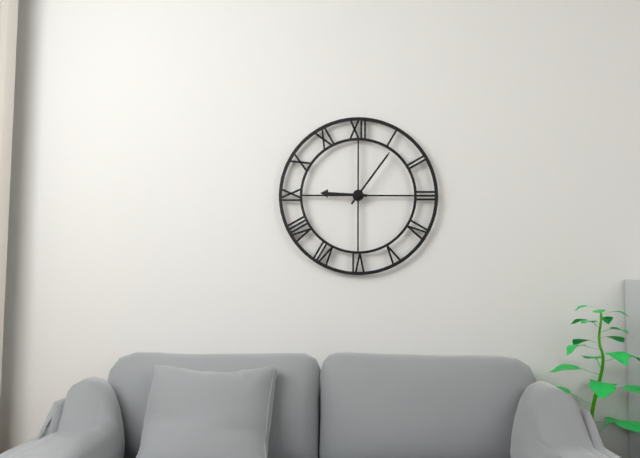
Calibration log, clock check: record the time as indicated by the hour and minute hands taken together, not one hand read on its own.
9:06
